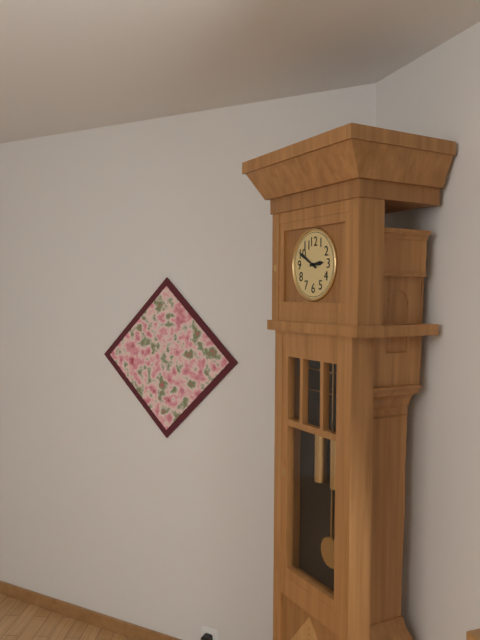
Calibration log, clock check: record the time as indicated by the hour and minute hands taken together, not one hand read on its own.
2:50
